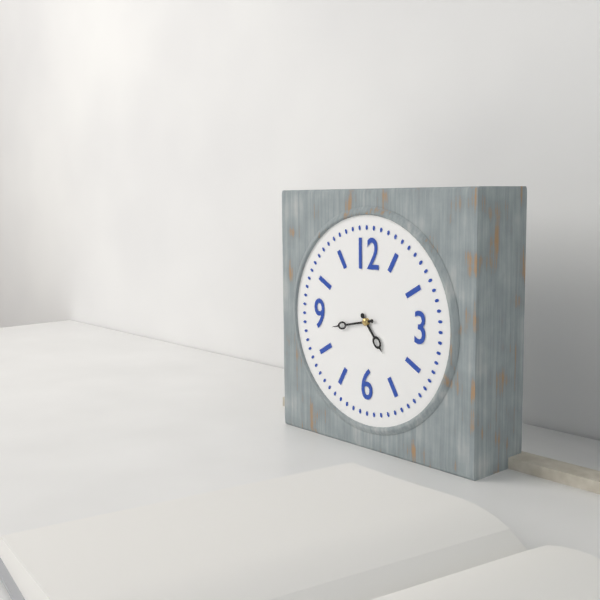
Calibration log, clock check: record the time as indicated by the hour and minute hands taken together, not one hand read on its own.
4:43
